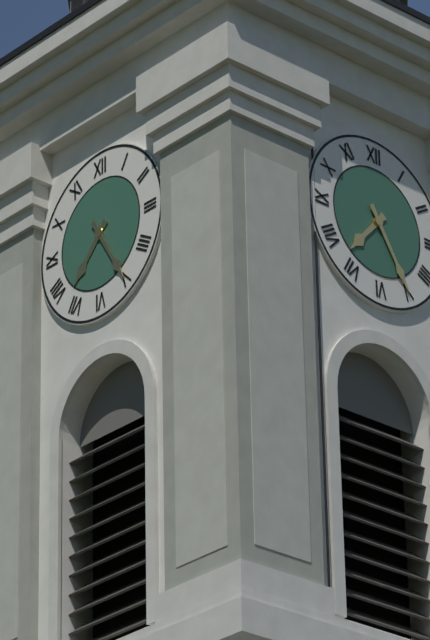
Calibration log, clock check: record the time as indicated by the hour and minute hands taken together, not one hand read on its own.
7:25
